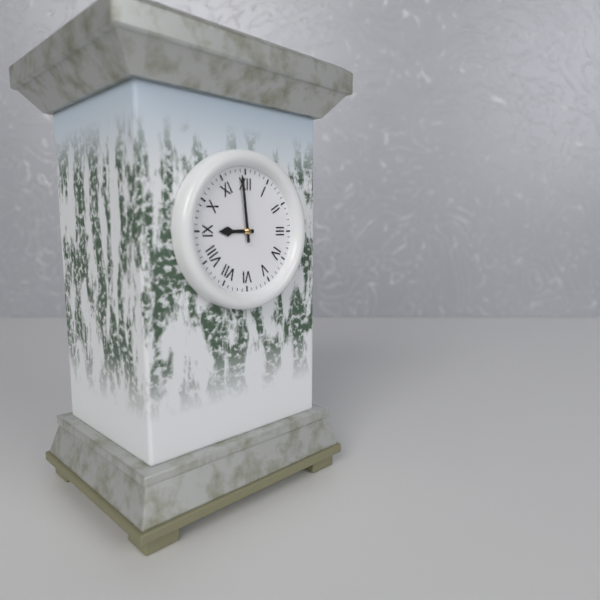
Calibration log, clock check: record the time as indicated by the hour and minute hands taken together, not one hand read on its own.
8:59
